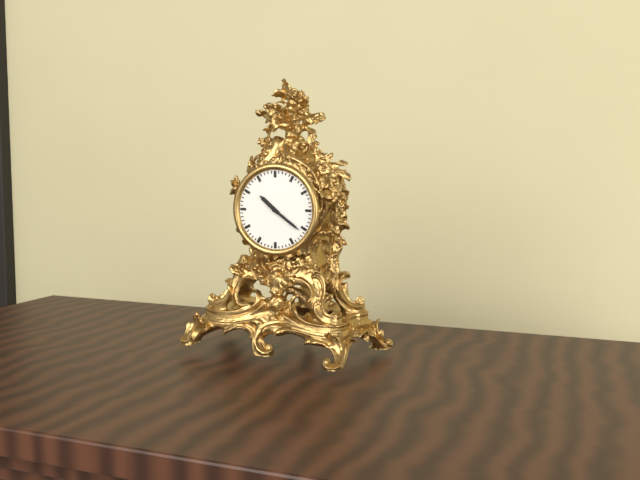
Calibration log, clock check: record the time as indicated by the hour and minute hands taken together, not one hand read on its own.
10:21
